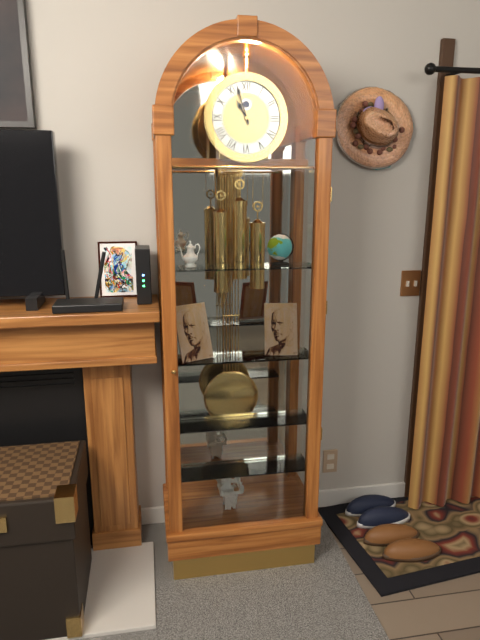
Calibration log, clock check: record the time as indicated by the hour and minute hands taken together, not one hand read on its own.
10:57
